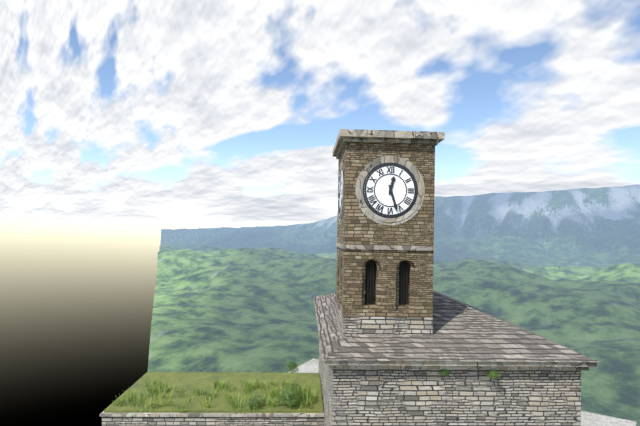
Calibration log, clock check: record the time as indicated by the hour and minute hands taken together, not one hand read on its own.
12:27
